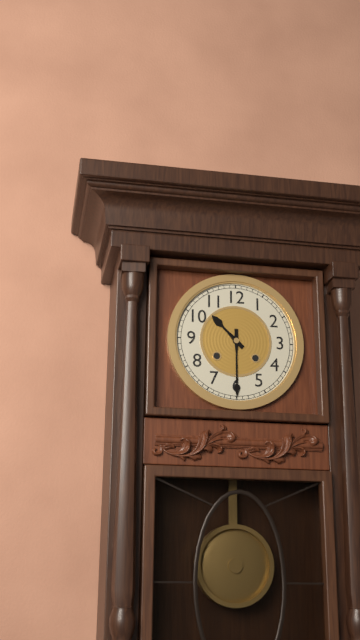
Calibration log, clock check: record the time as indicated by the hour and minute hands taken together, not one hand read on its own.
10:30
